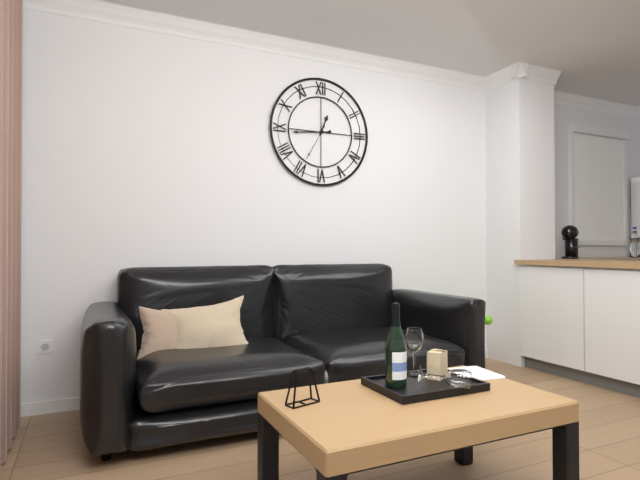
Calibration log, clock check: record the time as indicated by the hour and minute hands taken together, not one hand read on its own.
12:44
